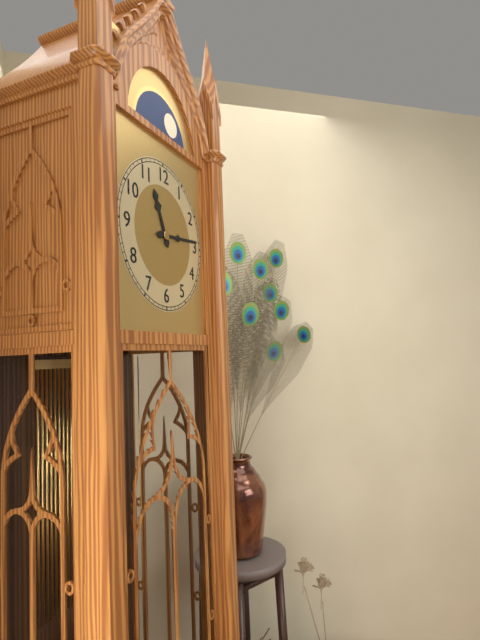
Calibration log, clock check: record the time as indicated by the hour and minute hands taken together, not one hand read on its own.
11:14
